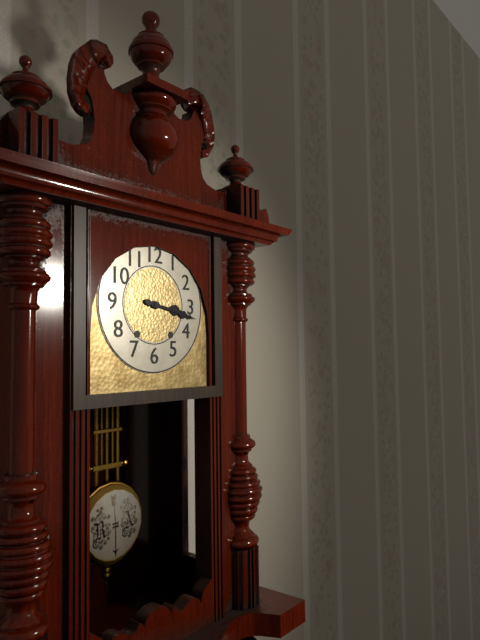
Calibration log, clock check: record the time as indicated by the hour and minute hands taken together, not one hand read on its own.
3:17
